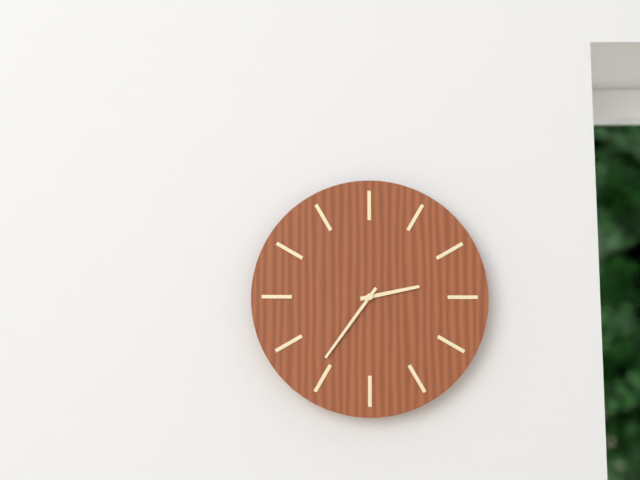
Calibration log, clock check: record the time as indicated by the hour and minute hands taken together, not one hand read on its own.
2:36
